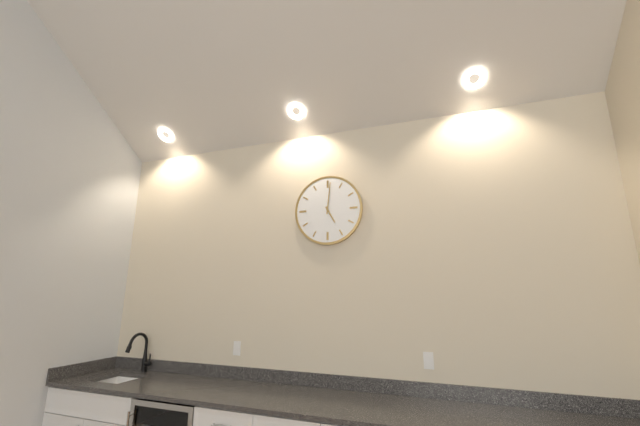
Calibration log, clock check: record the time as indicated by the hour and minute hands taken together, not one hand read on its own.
5:01
